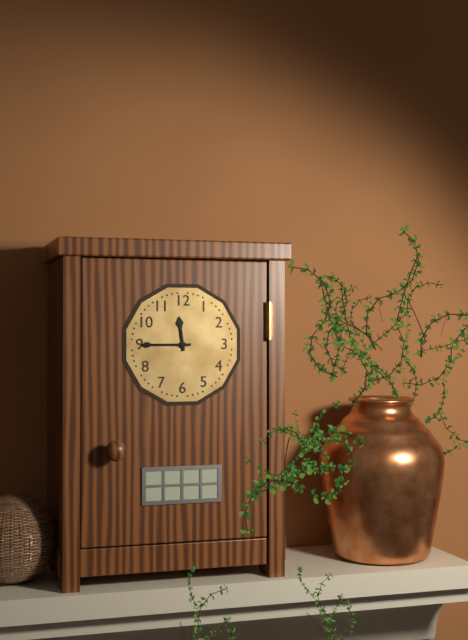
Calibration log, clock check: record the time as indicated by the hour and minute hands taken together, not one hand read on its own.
11:45
